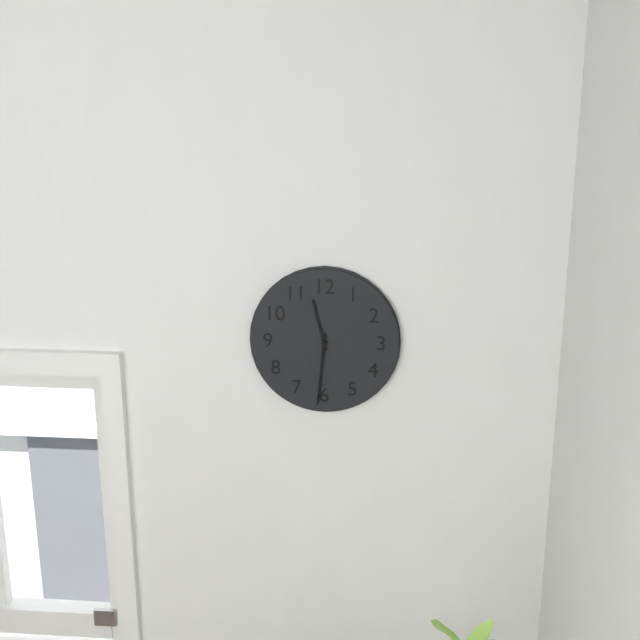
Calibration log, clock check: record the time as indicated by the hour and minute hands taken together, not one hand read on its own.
11:31
